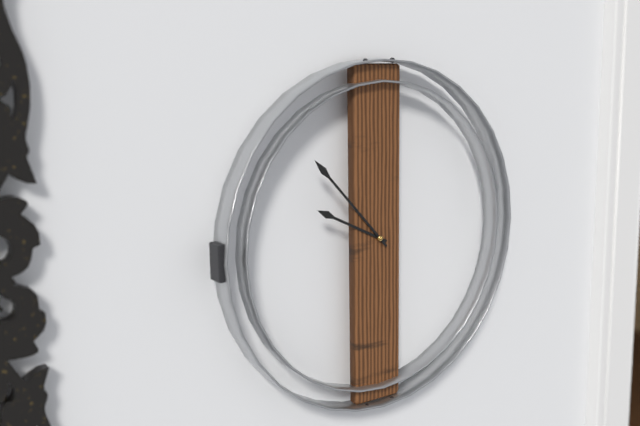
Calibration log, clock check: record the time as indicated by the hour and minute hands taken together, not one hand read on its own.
9:53
